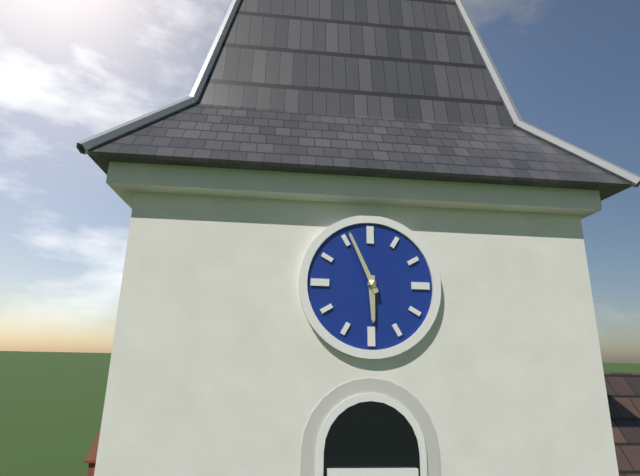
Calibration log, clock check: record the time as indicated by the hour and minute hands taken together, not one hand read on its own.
5:56
